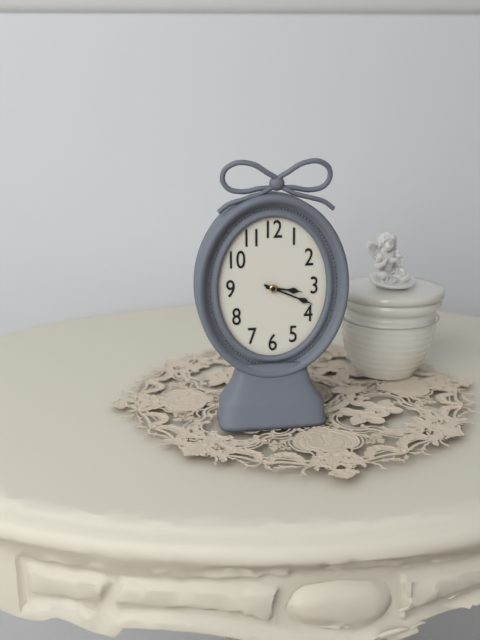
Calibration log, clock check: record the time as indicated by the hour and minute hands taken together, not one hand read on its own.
3:19
